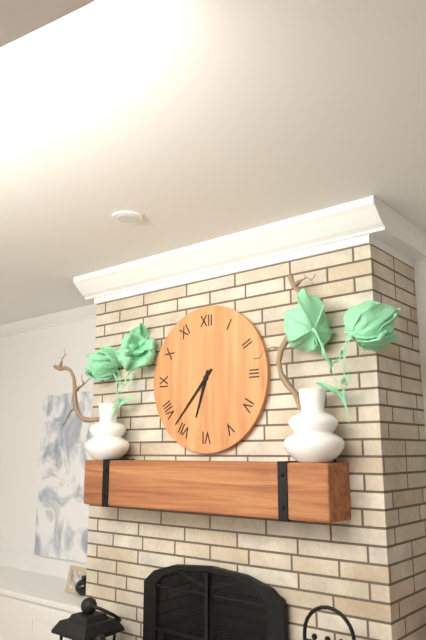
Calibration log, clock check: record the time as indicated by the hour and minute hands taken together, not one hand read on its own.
6:37
